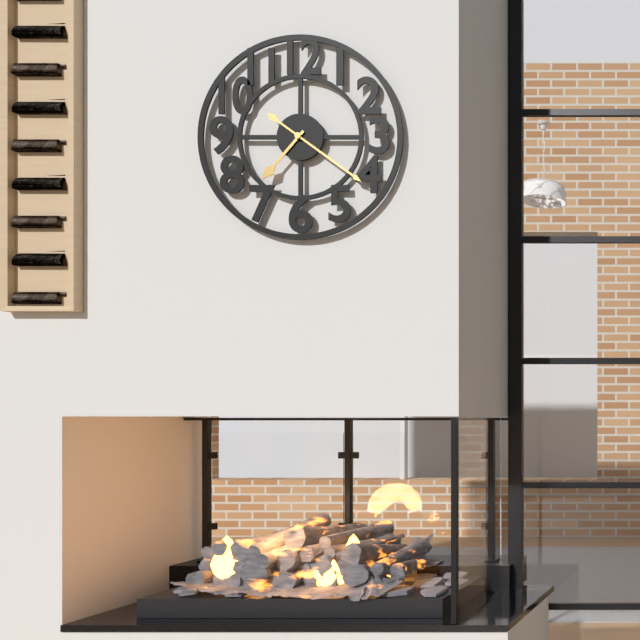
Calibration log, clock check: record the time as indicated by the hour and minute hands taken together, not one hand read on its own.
7:21
